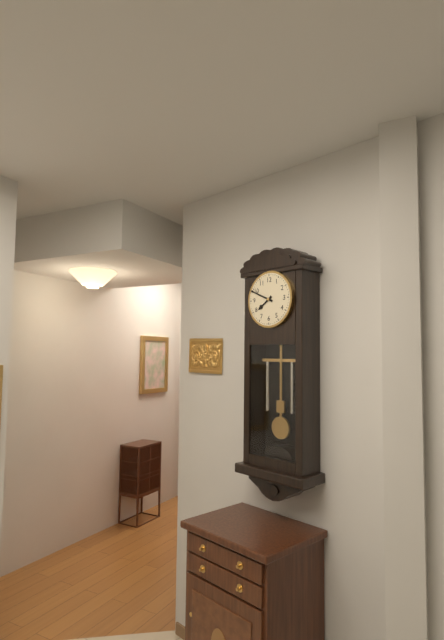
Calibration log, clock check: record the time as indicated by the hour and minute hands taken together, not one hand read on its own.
7:49
